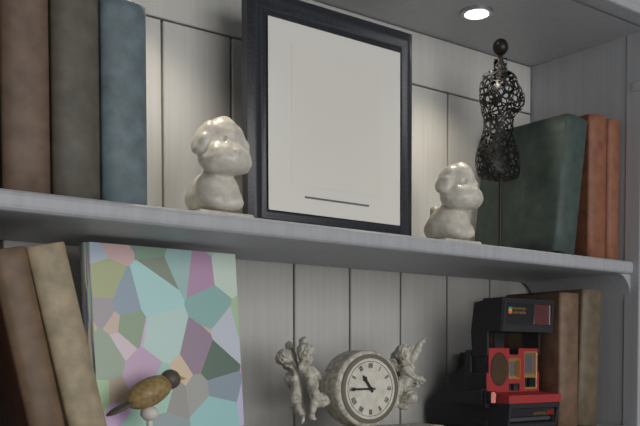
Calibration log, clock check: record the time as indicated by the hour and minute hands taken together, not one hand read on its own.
10:45
